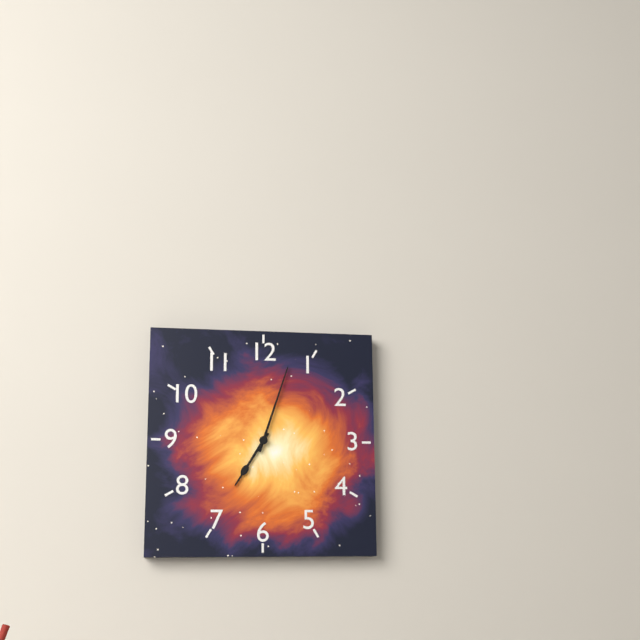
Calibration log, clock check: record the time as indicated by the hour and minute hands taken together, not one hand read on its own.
7:03
